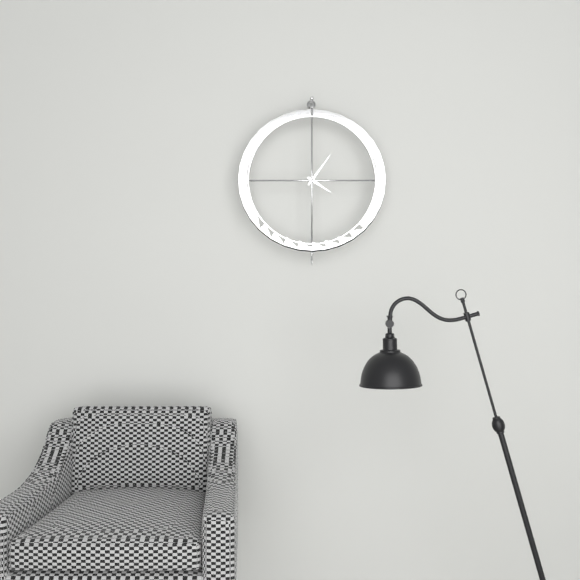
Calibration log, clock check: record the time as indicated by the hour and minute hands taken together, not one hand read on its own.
4:06
